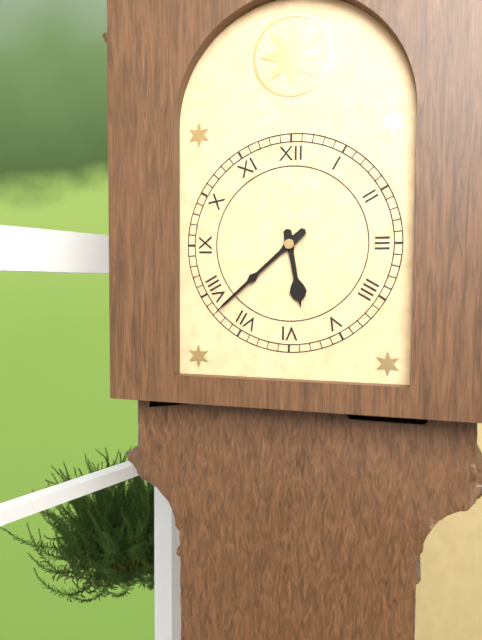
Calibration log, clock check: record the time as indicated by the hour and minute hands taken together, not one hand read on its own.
5:38
